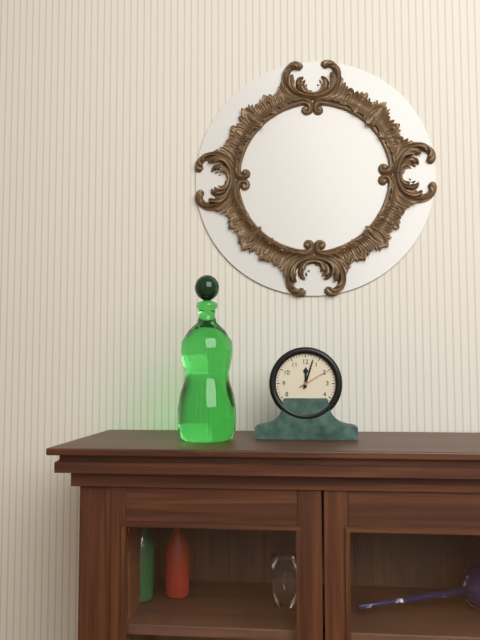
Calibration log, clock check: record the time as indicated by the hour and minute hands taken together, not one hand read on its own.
12:03
